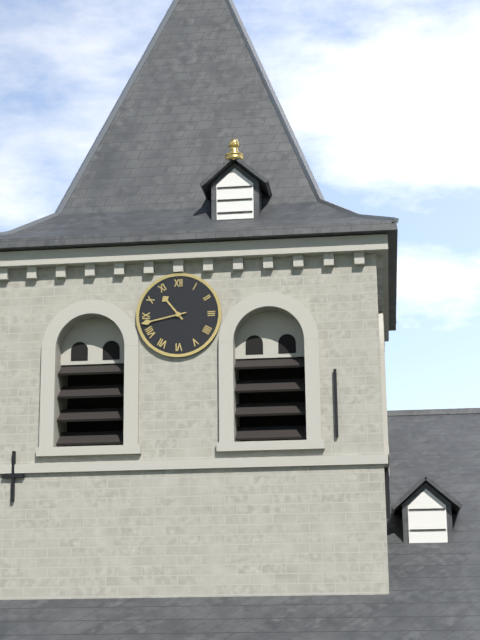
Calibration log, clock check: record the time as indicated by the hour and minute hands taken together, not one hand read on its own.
10:43
